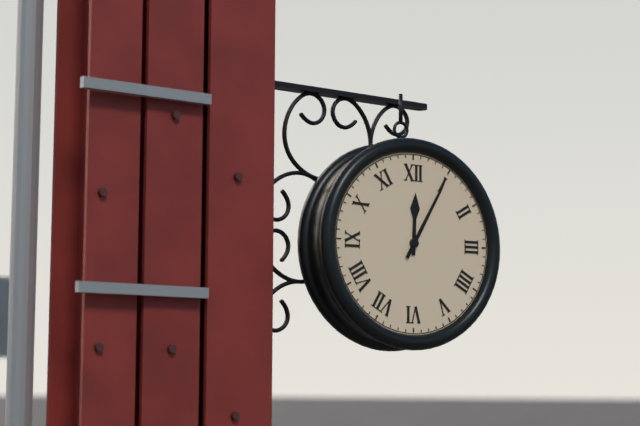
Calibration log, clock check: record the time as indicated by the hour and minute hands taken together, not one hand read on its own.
12:05
